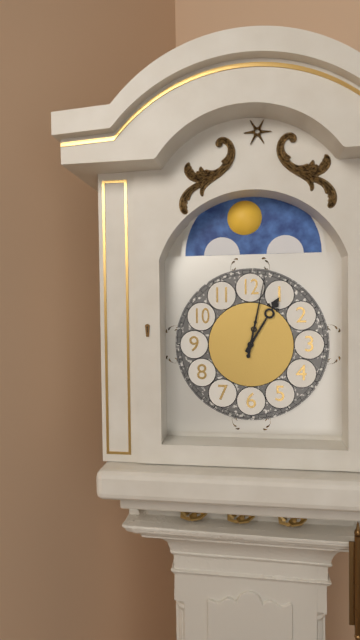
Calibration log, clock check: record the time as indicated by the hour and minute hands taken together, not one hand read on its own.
1:02
